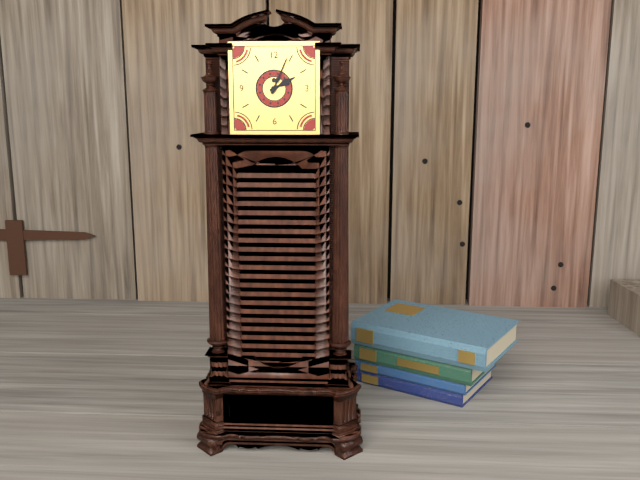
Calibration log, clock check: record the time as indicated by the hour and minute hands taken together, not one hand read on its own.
2:04
